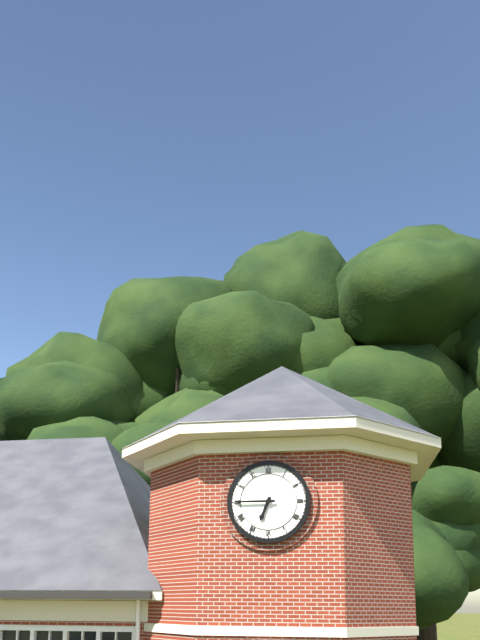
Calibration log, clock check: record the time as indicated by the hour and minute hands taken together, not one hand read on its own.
6:45
